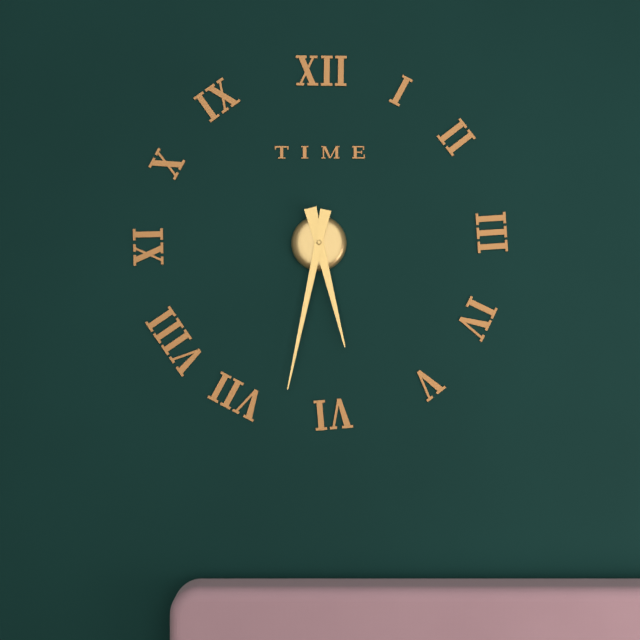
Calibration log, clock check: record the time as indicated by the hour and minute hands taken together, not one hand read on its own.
5:32
